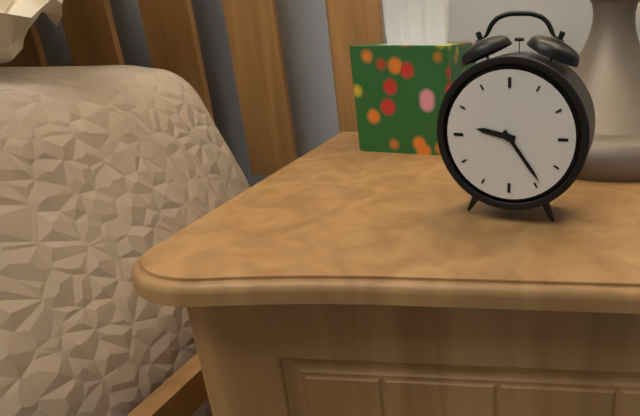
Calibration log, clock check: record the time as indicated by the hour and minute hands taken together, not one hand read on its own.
9:24
